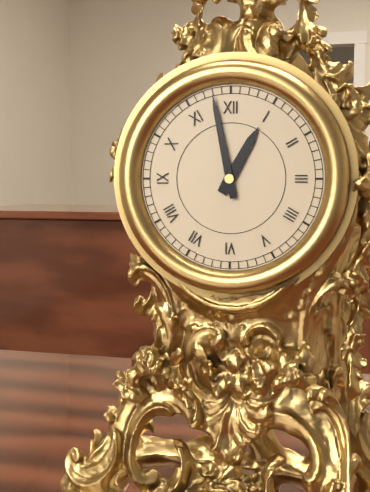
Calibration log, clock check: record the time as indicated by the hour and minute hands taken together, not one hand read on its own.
12:58
